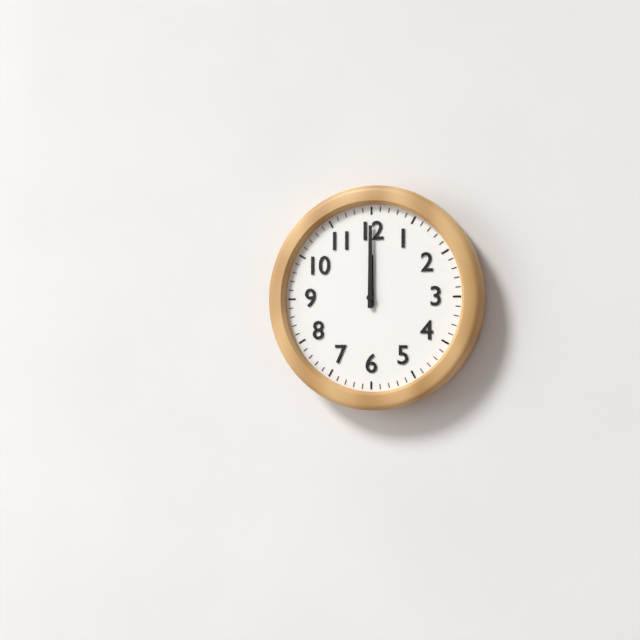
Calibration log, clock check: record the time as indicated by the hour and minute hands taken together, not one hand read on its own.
12:00
